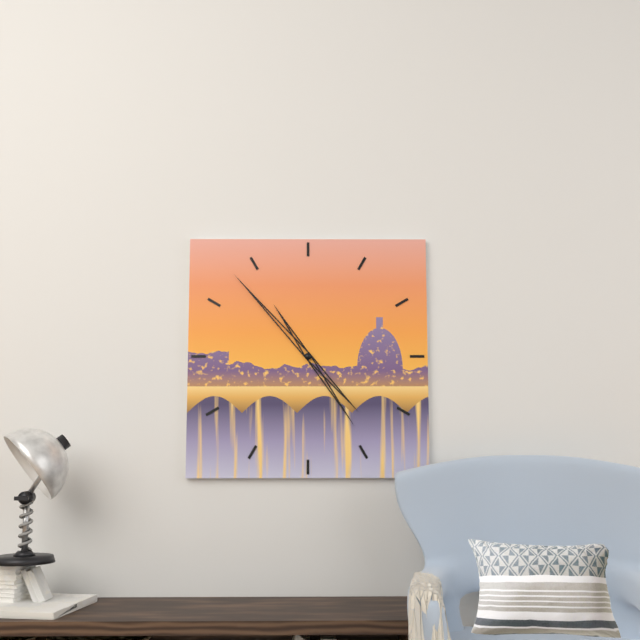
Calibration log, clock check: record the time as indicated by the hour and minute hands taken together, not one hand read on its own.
4:53
